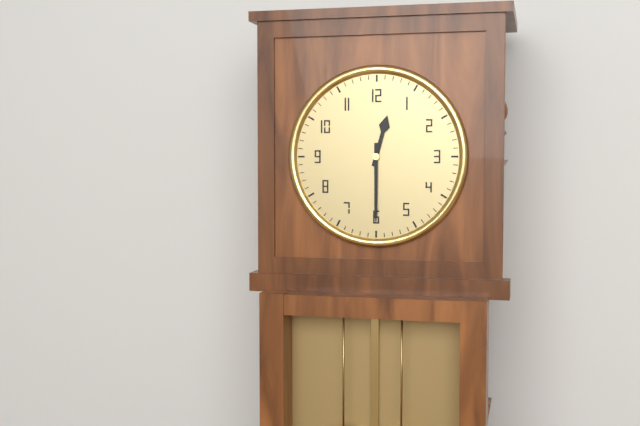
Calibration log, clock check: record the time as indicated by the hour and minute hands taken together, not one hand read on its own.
12:30
